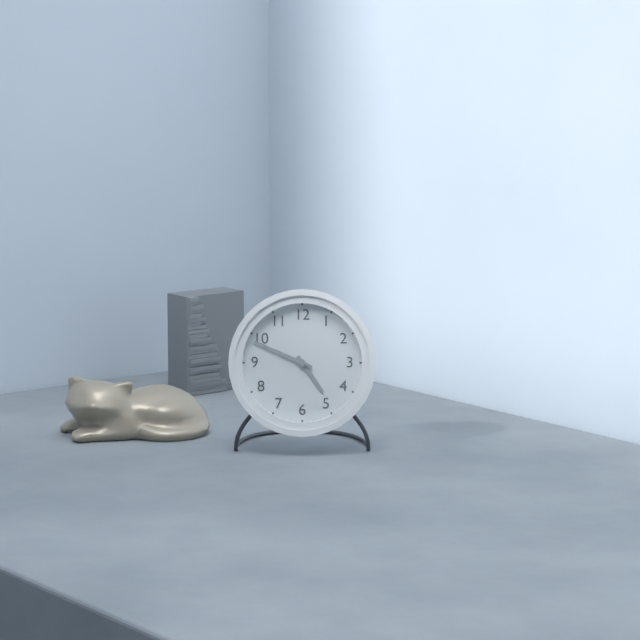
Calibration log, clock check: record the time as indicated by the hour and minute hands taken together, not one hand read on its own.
4:49
